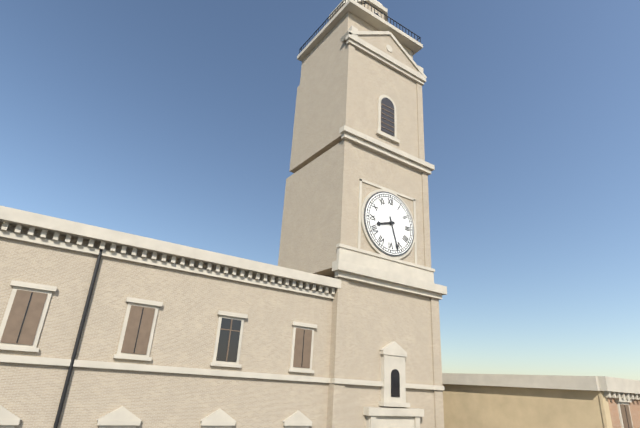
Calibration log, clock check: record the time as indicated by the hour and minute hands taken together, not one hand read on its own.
8:27
